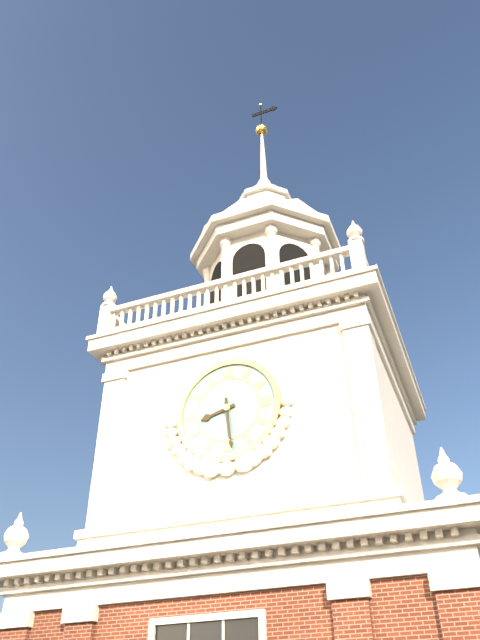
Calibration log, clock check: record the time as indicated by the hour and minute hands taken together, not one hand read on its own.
8:29
